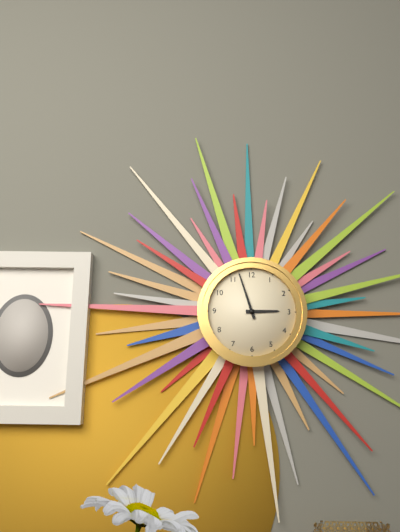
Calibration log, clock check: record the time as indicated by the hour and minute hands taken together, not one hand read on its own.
2:57
